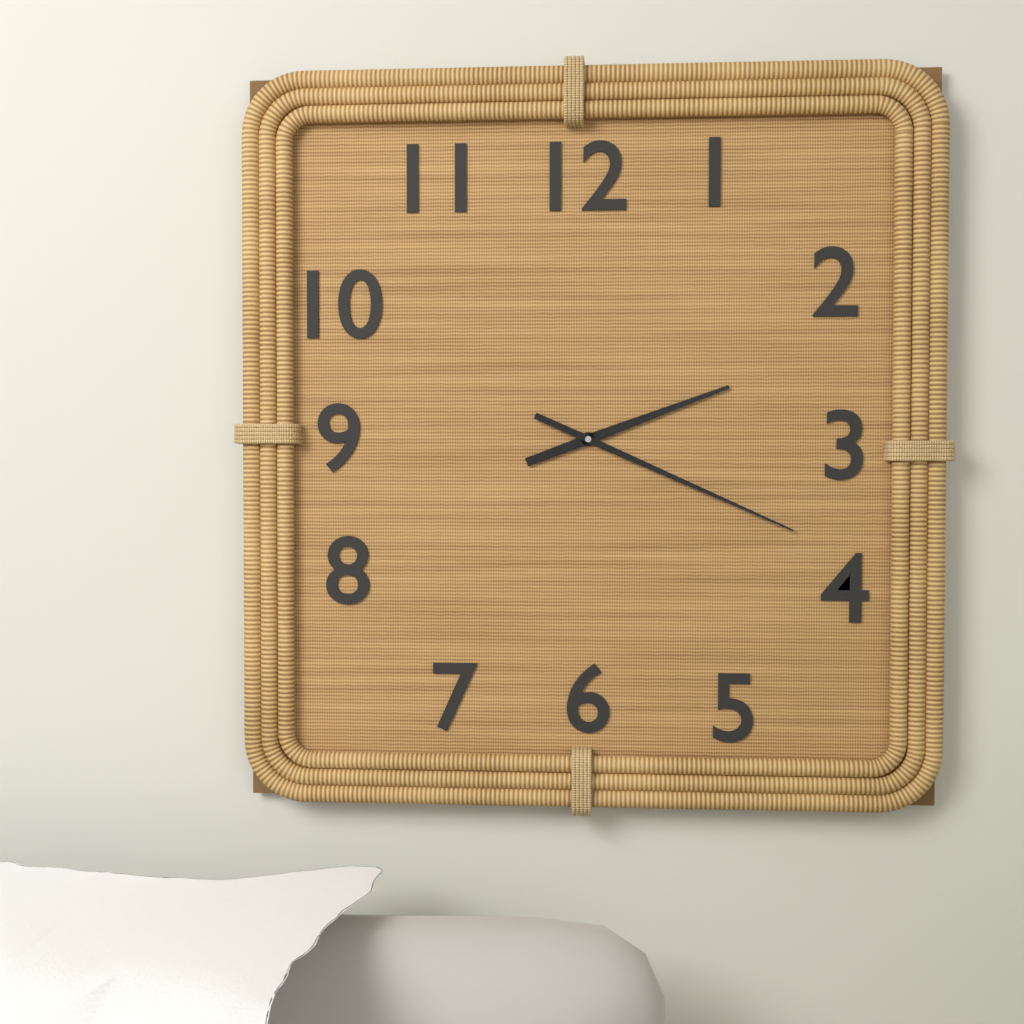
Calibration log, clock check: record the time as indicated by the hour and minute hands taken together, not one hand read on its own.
2:19
